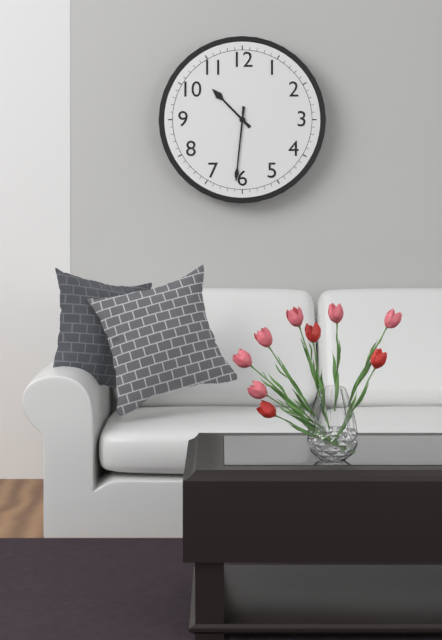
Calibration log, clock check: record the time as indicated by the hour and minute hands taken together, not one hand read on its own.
10:31
